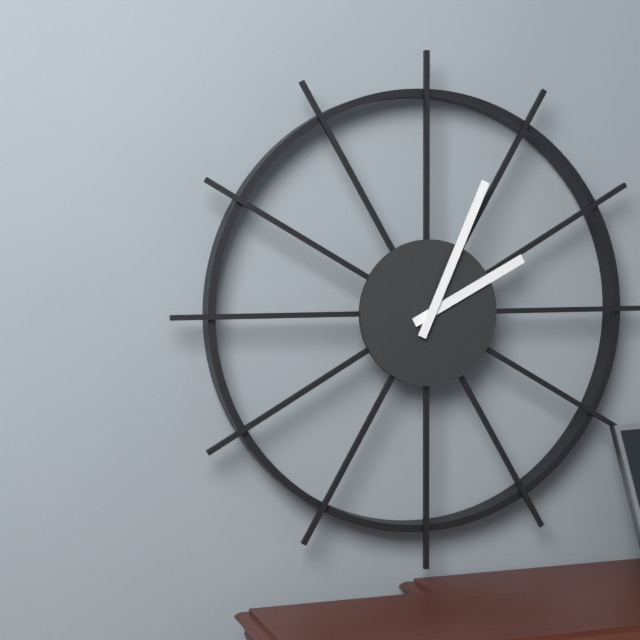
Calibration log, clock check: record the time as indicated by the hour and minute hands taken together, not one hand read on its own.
2:04
